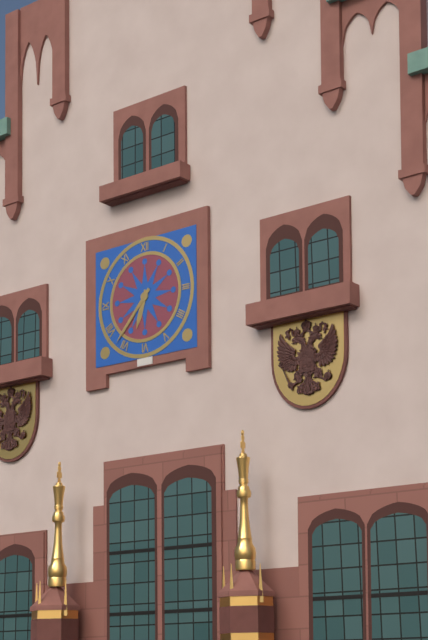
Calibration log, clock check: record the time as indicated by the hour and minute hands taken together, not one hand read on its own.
6:37
